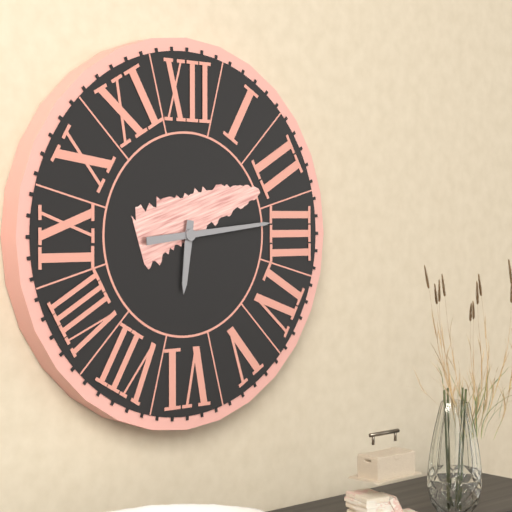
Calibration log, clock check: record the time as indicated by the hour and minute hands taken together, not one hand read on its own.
6:14
